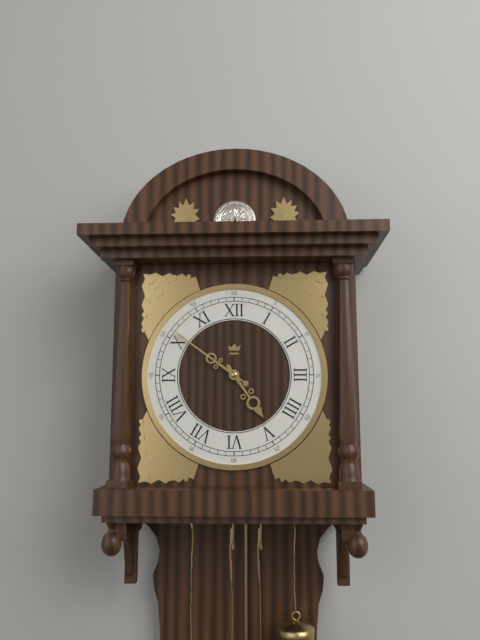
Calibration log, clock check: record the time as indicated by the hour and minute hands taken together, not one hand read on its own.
4:51
